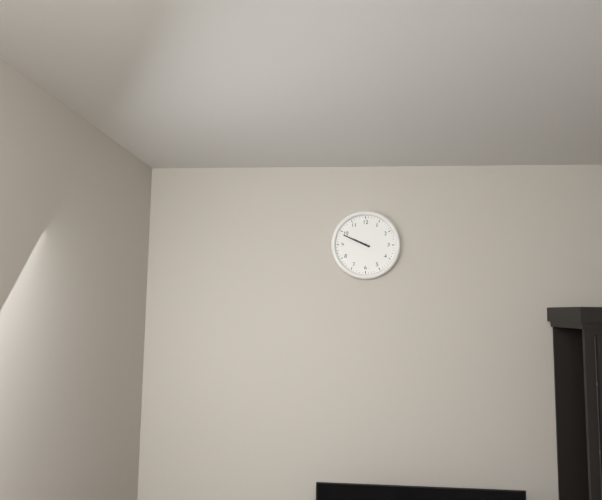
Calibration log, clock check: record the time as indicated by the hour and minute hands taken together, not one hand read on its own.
9:49
